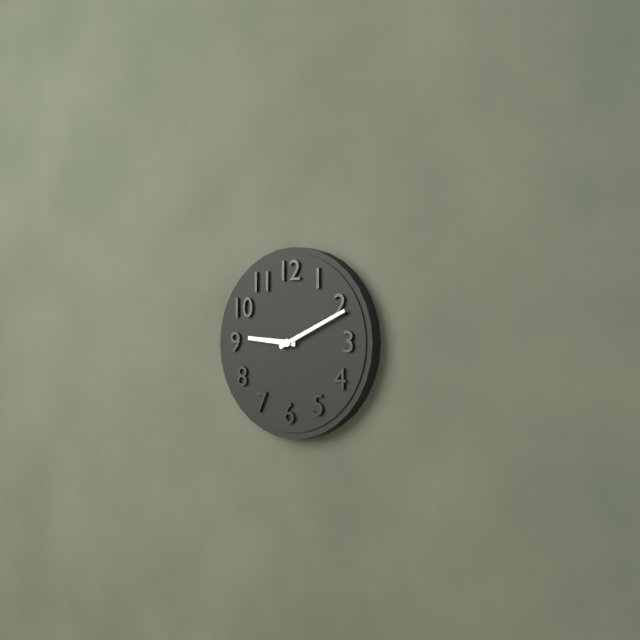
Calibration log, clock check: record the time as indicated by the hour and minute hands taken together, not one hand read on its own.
9:11
